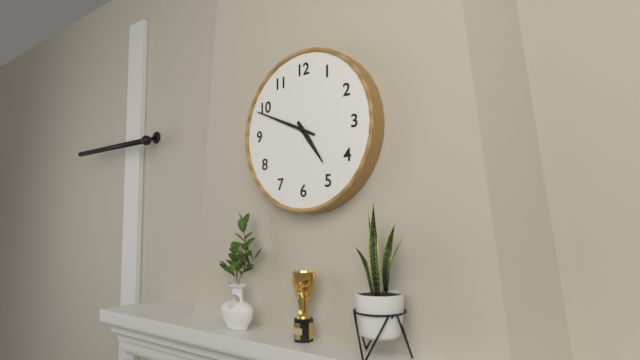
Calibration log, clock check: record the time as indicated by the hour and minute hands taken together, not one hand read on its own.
4:49
